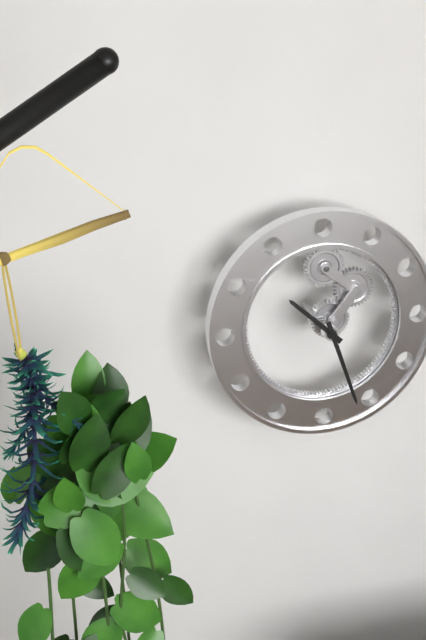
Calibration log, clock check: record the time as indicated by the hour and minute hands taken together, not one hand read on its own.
10:27
